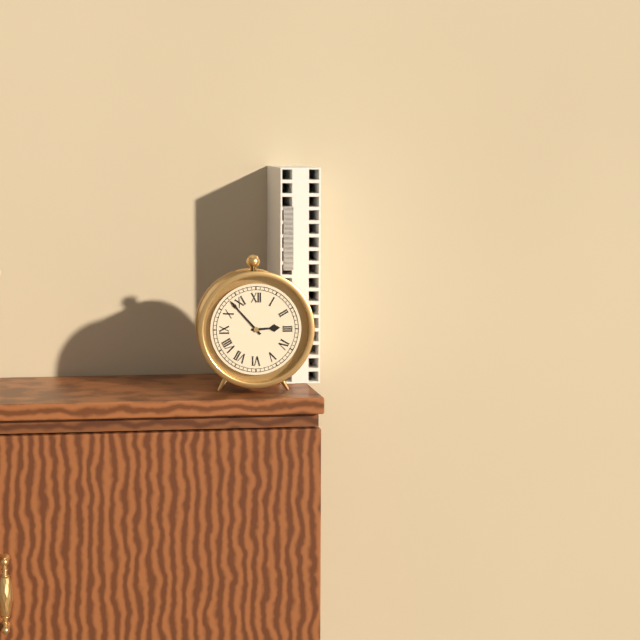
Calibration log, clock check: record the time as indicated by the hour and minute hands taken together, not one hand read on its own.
2:53
